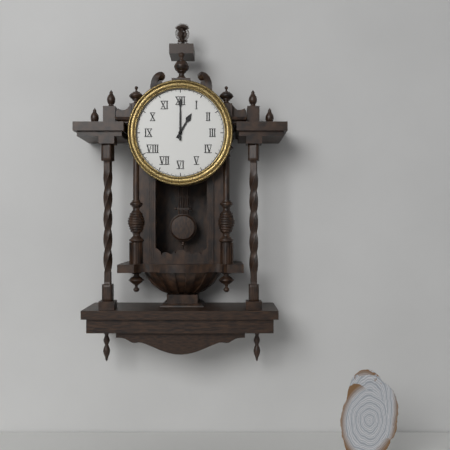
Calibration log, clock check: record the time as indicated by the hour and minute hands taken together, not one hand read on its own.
1:00
